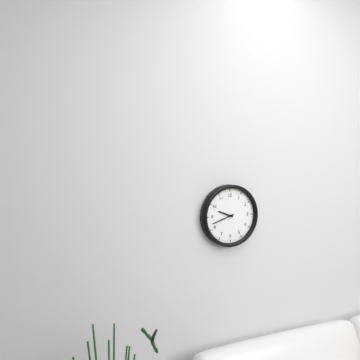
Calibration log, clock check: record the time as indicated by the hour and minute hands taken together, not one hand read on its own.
9:42
